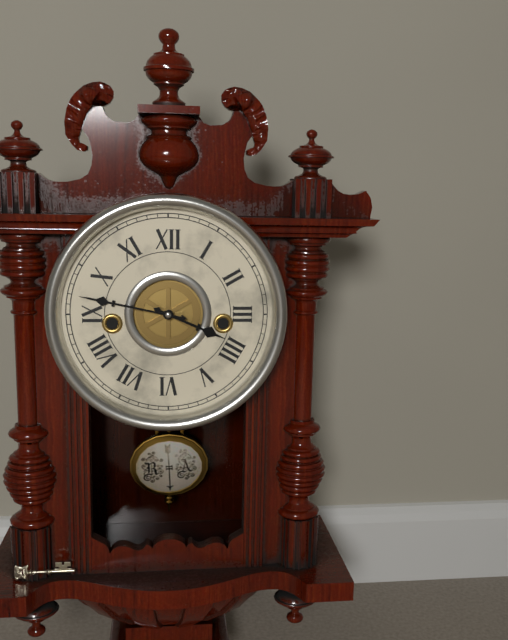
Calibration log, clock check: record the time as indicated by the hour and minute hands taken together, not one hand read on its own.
3:47
